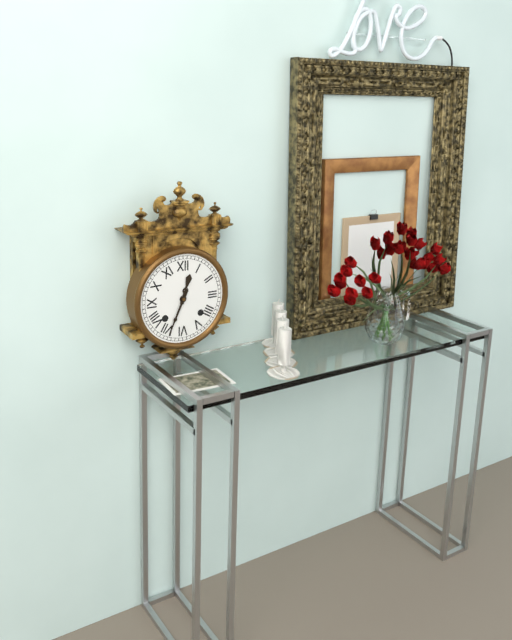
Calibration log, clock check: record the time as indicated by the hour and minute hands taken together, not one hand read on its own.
12:34
